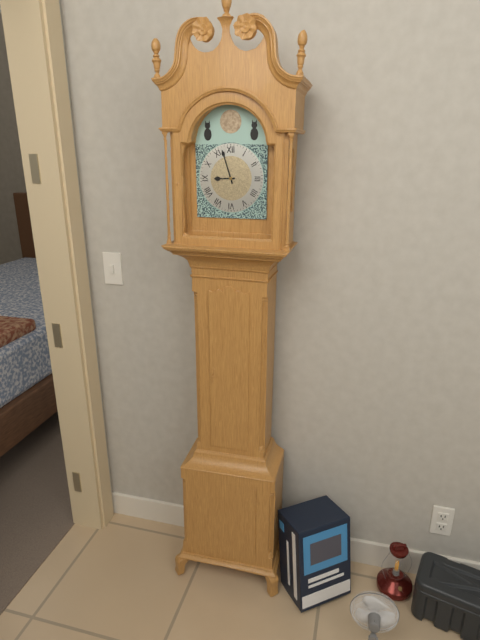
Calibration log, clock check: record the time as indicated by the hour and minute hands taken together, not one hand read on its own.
8:57
